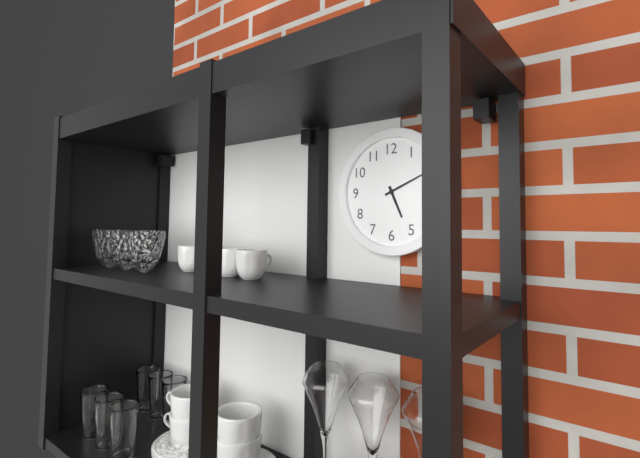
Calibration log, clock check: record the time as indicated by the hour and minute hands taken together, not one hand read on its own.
5:11
